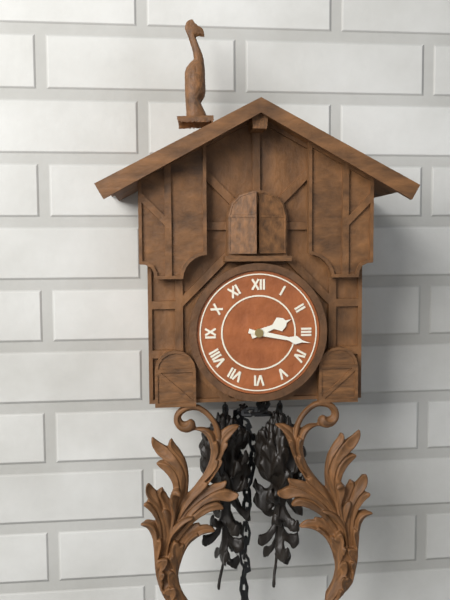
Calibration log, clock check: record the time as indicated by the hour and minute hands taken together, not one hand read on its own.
2:17
